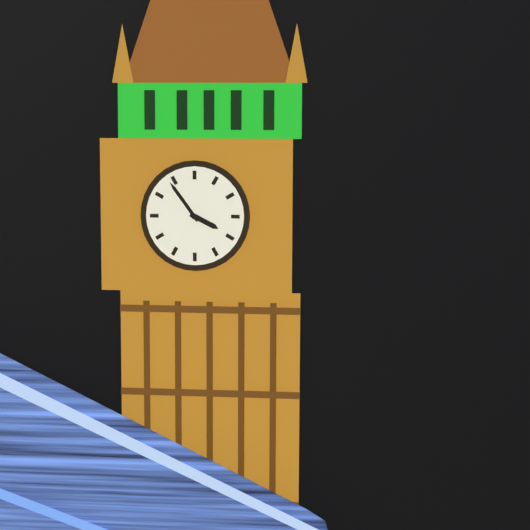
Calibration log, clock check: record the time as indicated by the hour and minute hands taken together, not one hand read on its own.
3:54
